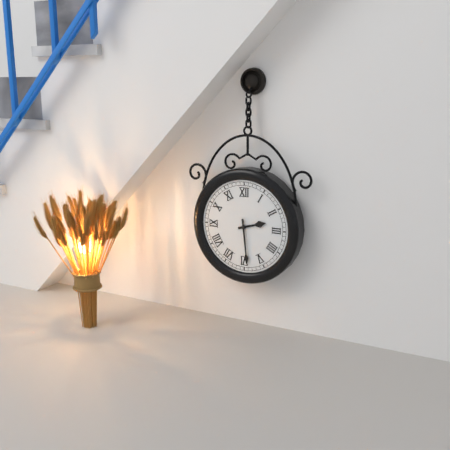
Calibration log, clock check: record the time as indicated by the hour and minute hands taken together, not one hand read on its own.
2:29
